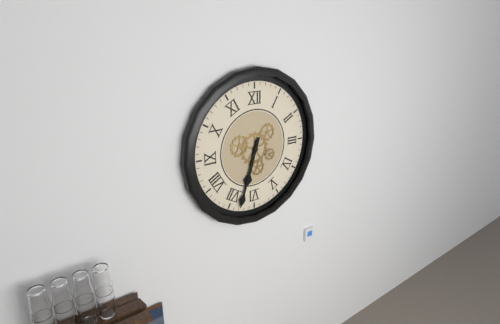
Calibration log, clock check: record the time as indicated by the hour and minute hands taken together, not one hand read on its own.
6:33
